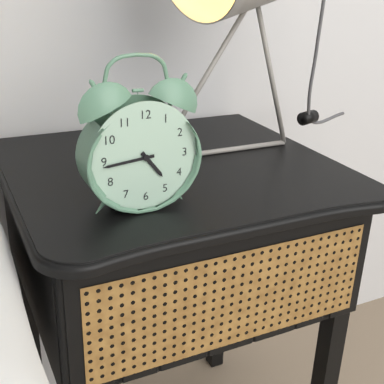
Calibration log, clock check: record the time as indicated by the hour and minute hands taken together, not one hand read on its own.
4:44
